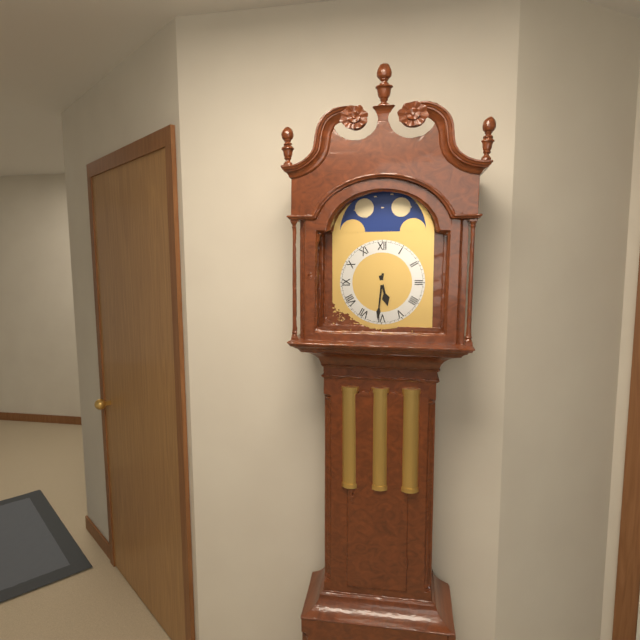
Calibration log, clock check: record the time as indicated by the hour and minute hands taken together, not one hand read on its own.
5:31
